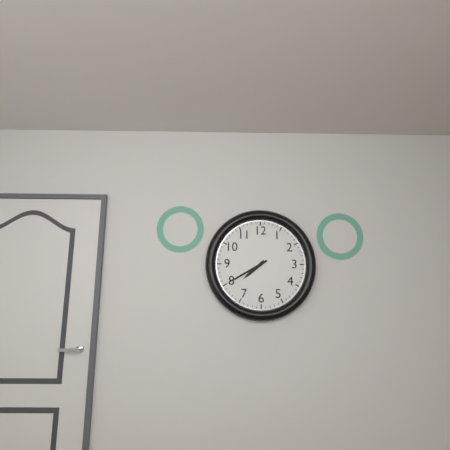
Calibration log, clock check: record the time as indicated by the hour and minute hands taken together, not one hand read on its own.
7:40
